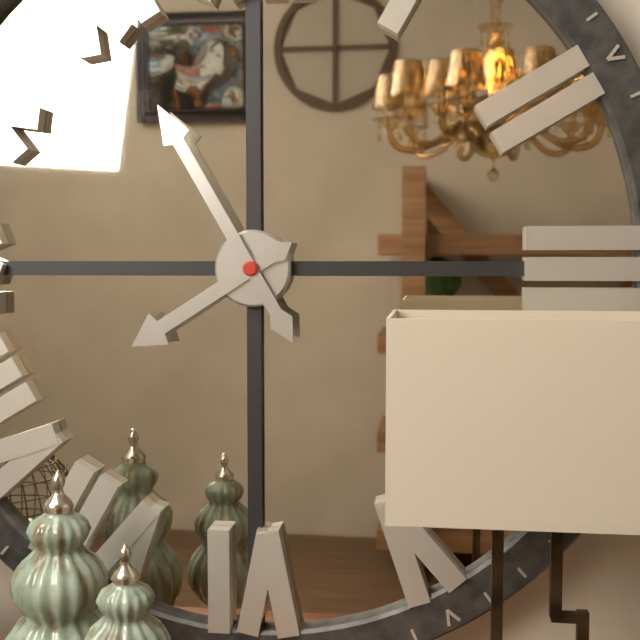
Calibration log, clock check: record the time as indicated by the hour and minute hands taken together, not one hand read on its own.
7:55
